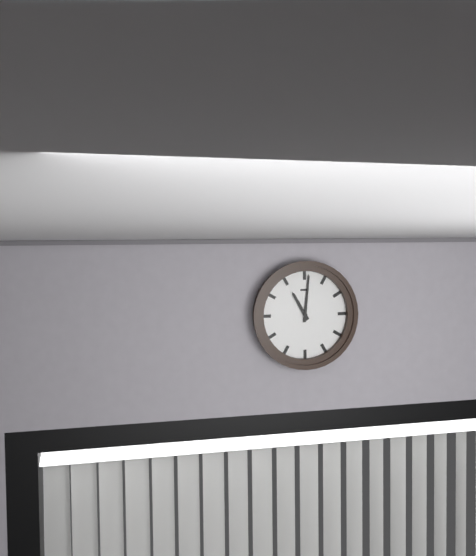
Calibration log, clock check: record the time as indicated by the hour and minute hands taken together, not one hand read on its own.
11:01
